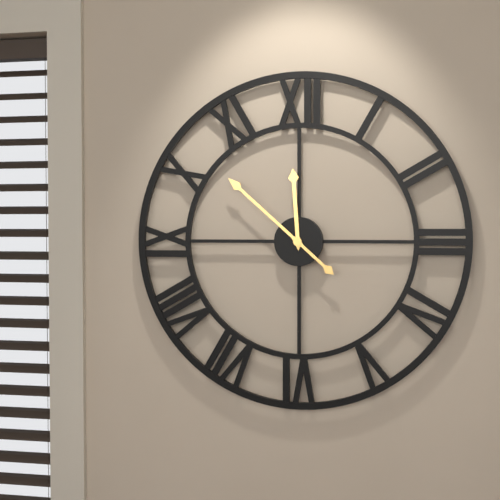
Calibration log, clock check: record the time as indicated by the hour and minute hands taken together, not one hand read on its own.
11:52
